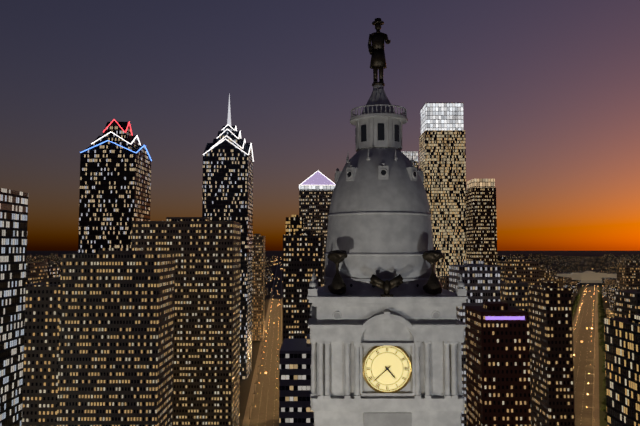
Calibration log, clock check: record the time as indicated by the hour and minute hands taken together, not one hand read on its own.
4:38
